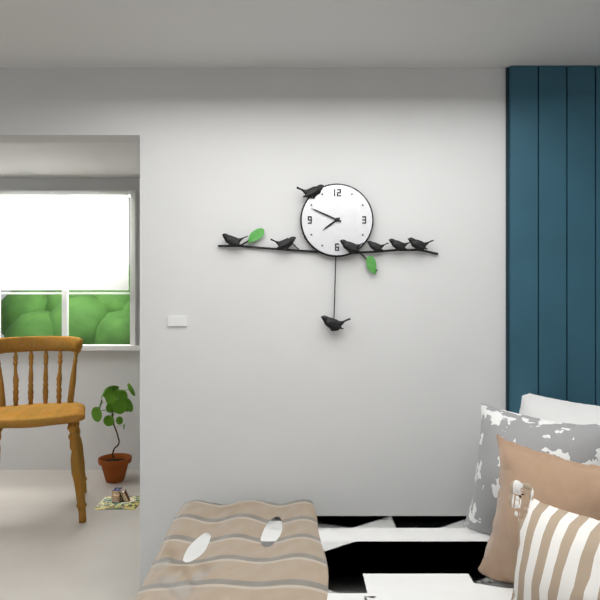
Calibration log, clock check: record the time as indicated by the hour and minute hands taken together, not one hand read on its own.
7:49
